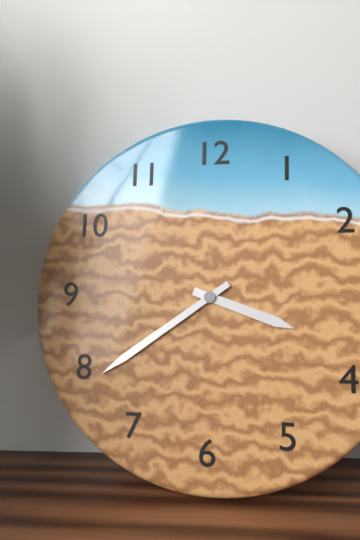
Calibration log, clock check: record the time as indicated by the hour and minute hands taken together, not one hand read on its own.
3:39
